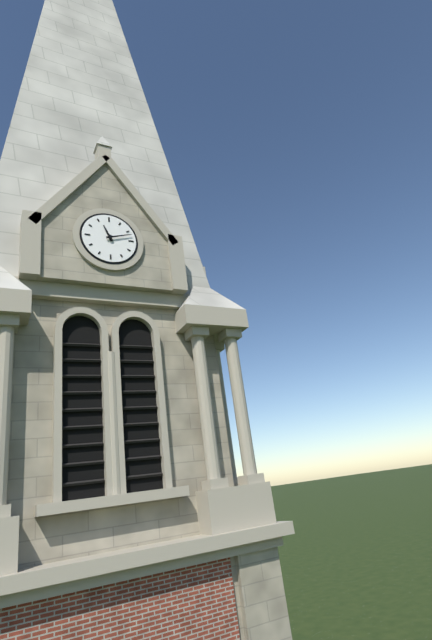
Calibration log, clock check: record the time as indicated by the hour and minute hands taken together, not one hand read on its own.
11:12
